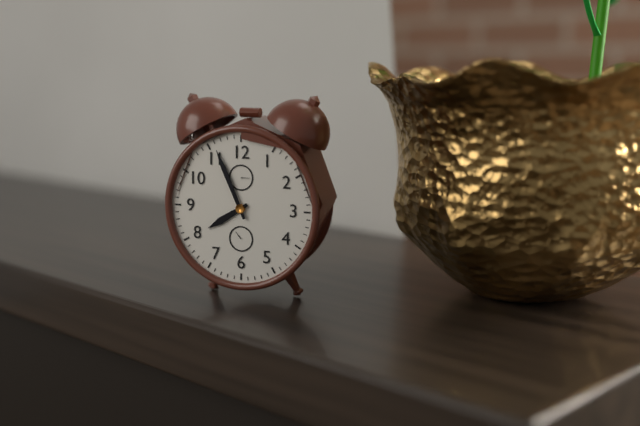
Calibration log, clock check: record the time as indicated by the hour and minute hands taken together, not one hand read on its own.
7:56
